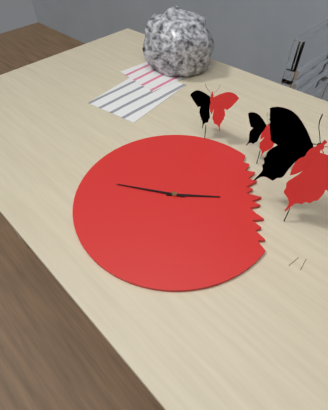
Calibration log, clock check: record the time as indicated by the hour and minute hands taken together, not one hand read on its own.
1:40
